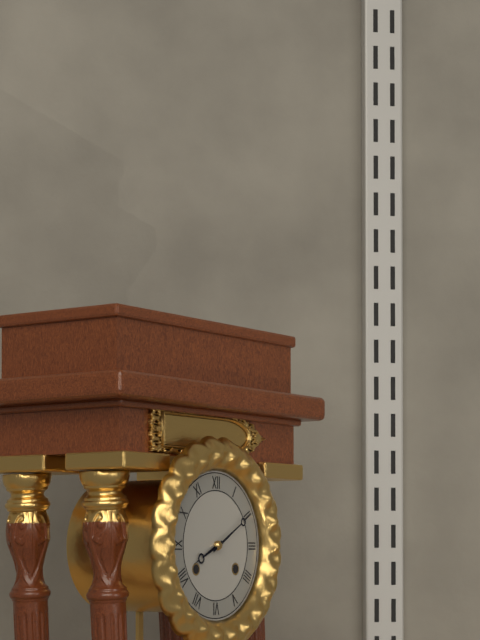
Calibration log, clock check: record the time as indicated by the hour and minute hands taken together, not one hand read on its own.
8:10
